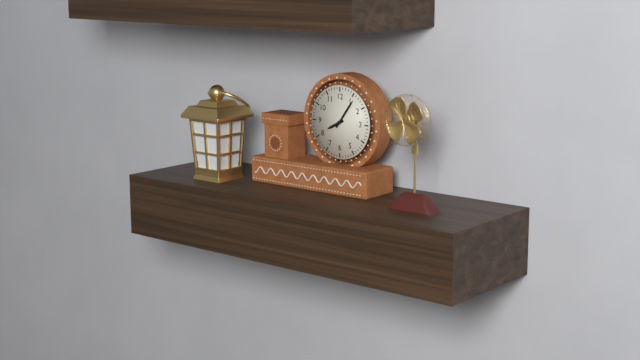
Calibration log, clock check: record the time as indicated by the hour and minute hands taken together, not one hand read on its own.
8:06
